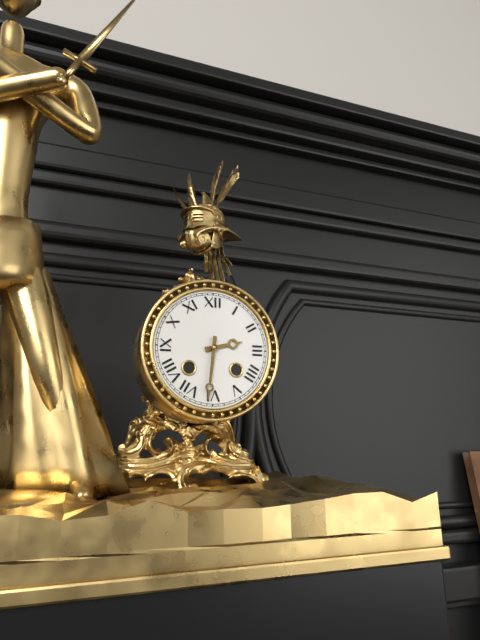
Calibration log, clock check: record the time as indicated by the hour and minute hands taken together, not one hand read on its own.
2:31
